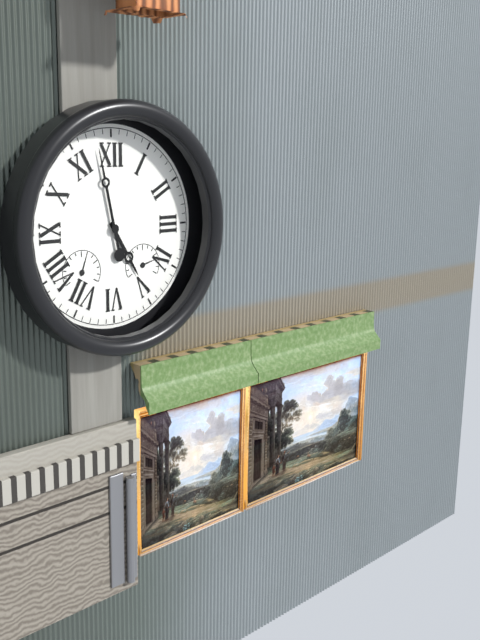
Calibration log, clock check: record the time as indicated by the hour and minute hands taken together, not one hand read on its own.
4:58
